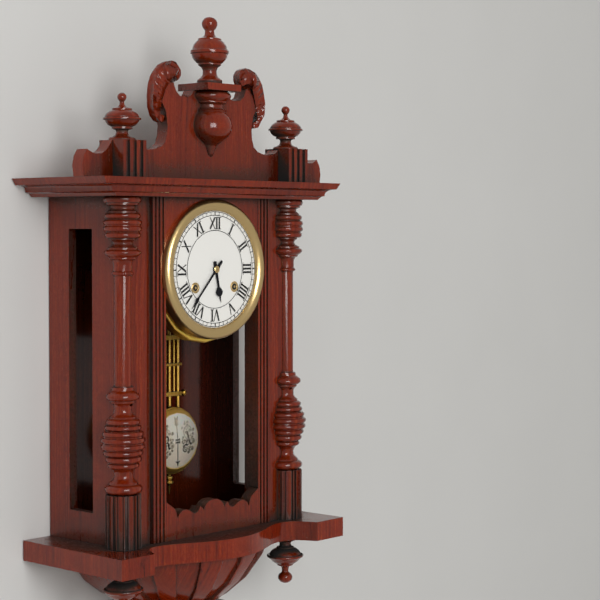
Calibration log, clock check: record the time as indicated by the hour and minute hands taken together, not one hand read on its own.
5:37
